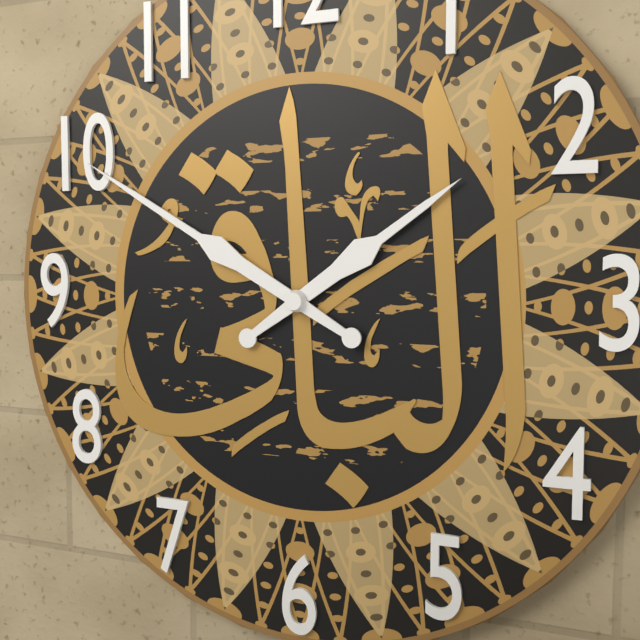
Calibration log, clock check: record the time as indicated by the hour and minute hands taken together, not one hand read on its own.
1:50
